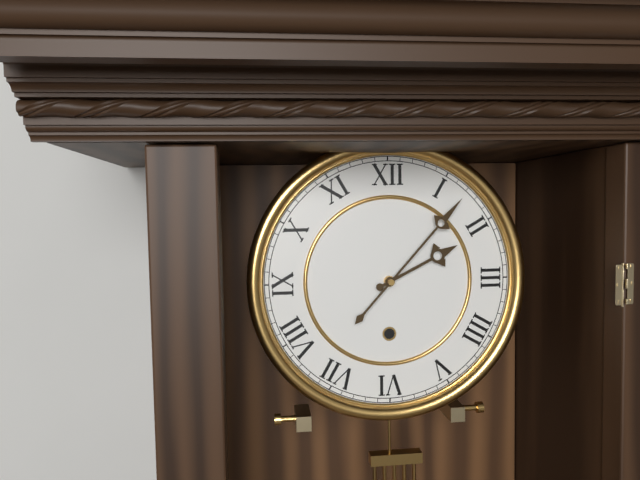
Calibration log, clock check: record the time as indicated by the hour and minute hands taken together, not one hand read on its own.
2:07
